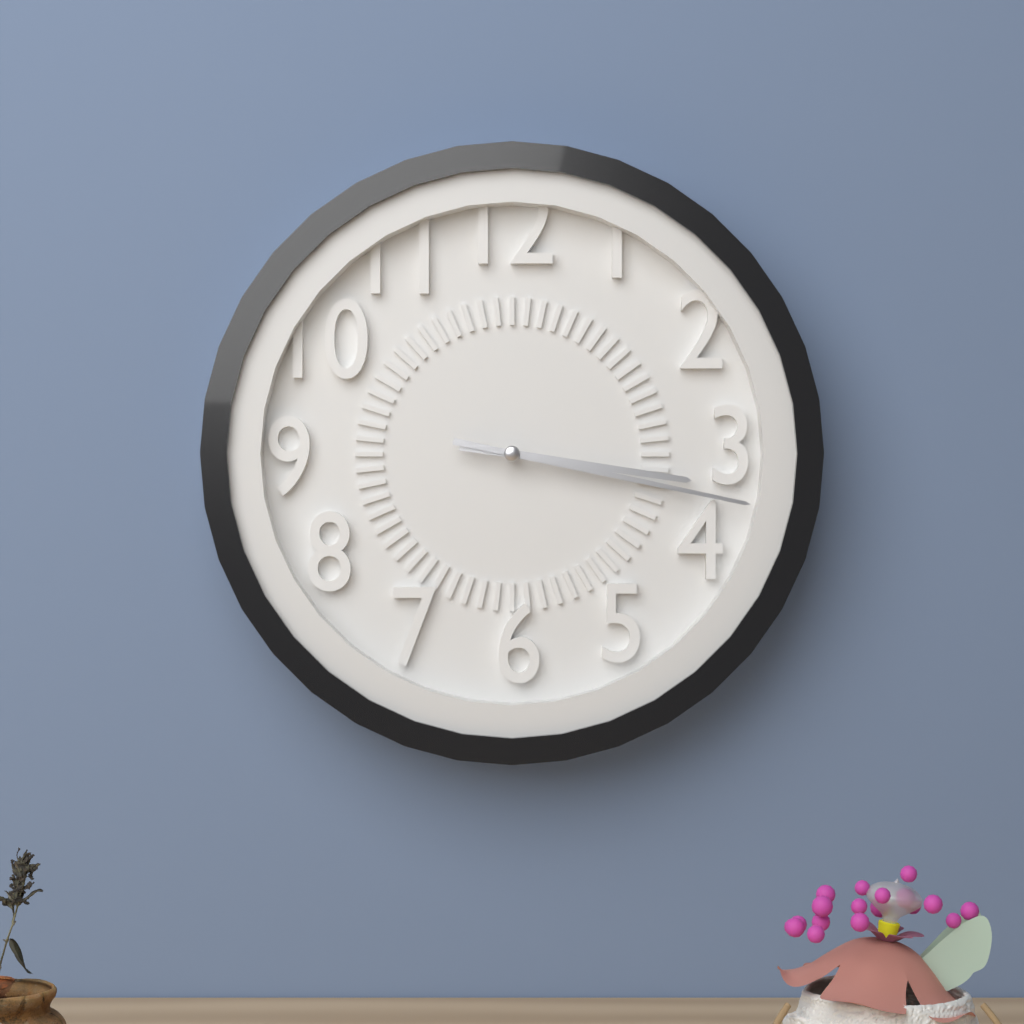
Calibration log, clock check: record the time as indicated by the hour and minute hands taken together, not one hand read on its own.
3:17
